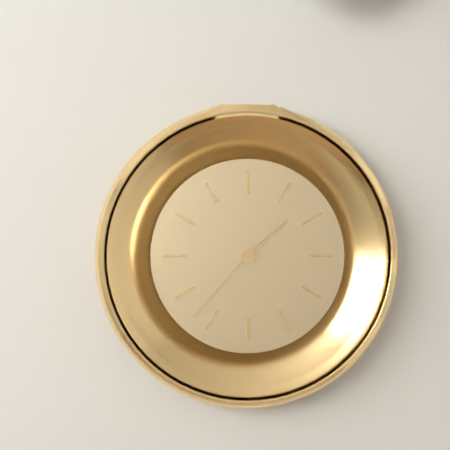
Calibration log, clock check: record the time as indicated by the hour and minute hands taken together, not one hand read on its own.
1:37
